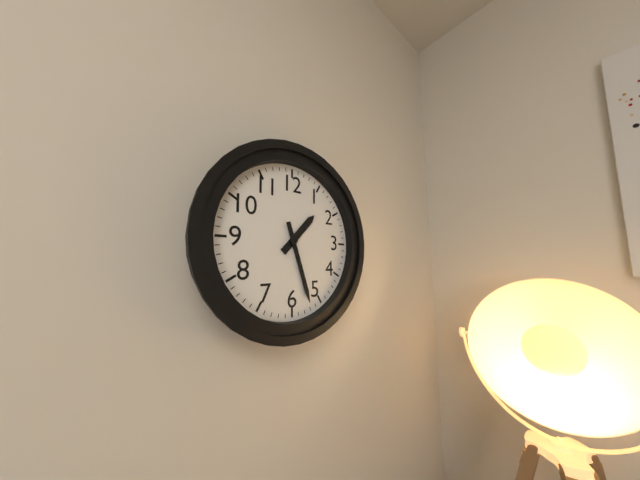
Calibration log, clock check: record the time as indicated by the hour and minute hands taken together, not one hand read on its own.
1:27
